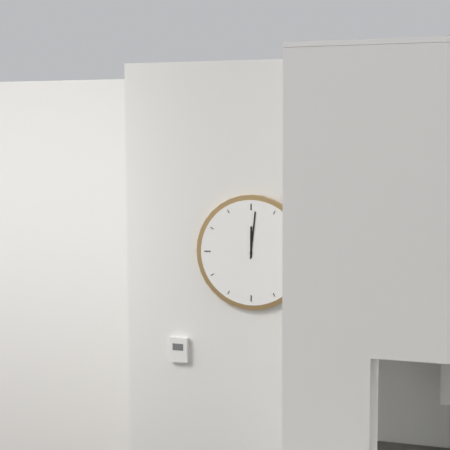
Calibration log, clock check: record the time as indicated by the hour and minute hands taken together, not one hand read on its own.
12:01
